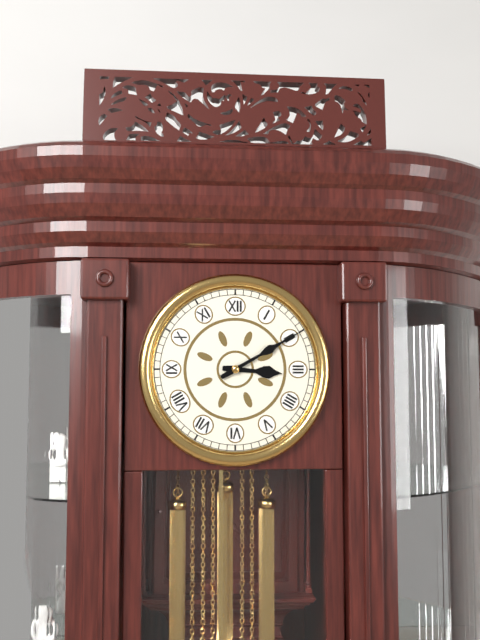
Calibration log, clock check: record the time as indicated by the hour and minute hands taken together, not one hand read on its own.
3:10
